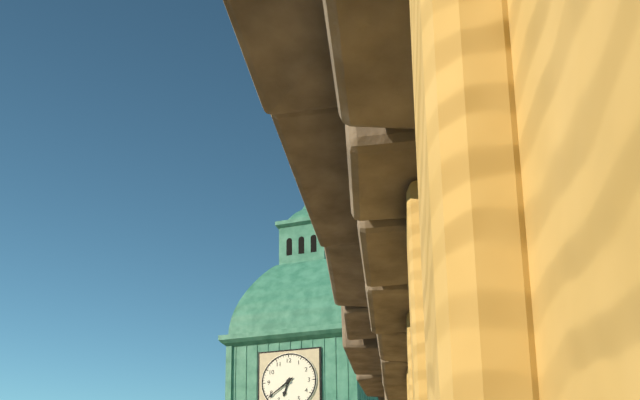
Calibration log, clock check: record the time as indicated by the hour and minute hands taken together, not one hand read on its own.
6:39
